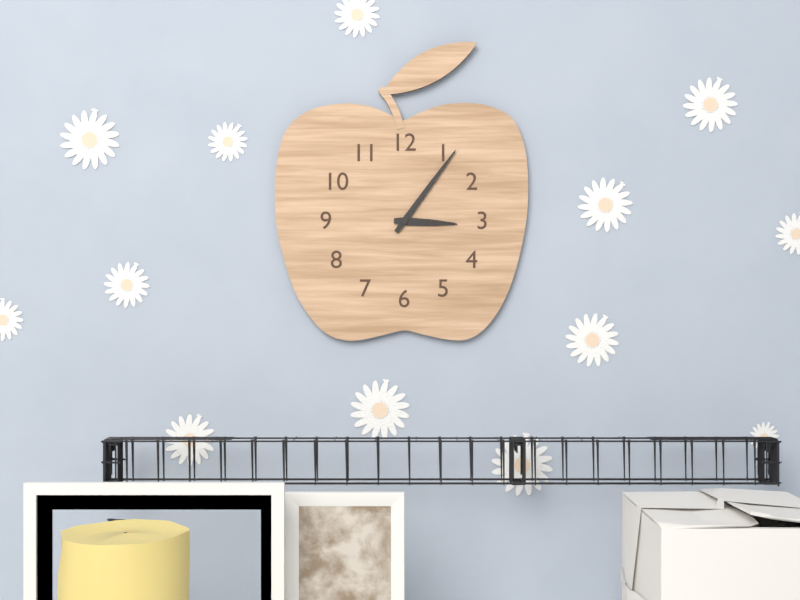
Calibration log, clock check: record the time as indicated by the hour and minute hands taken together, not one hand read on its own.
3:06
